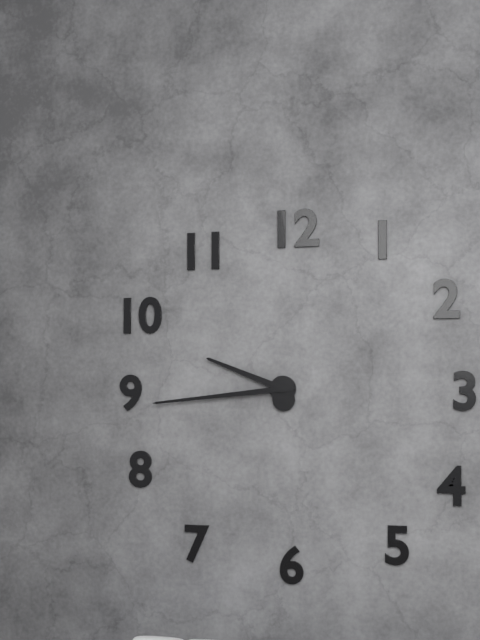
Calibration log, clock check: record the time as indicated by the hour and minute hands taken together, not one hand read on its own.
9:44
